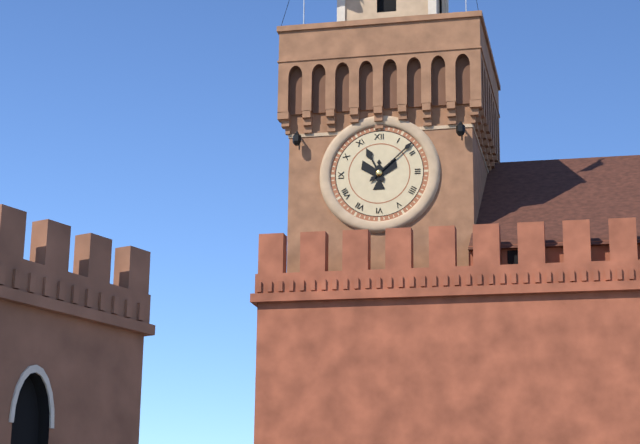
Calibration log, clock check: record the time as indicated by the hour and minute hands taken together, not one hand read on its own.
11:08
